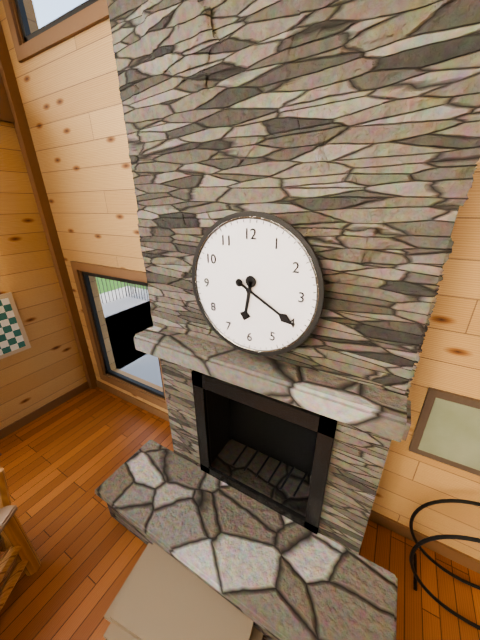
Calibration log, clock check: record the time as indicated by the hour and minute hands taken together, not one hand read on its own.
6:20
